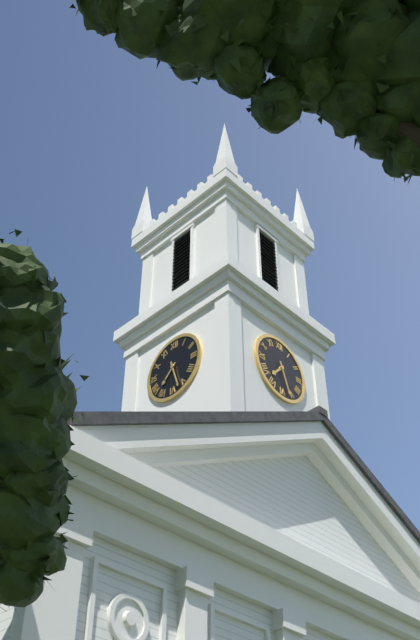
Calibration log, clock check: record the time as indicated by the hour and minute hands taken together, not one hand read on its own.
7:27
